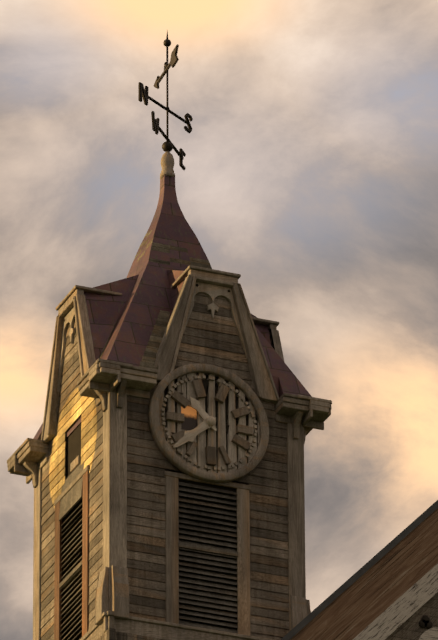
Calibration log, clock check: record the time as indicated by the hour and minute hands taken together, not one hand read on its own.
10:38
